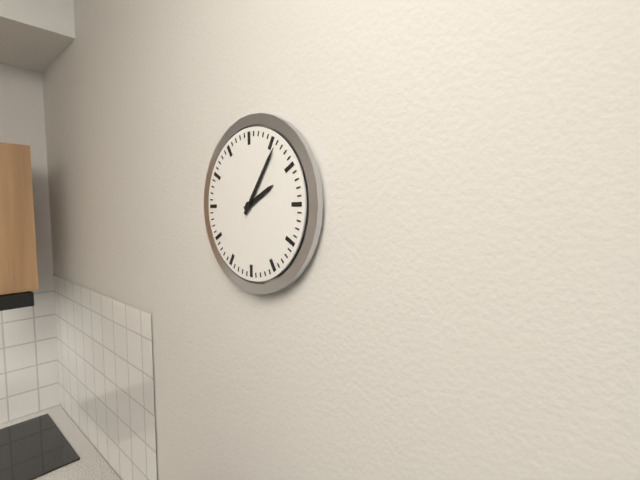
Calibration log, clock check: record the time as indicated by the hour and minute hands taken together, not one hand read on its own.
2:06
